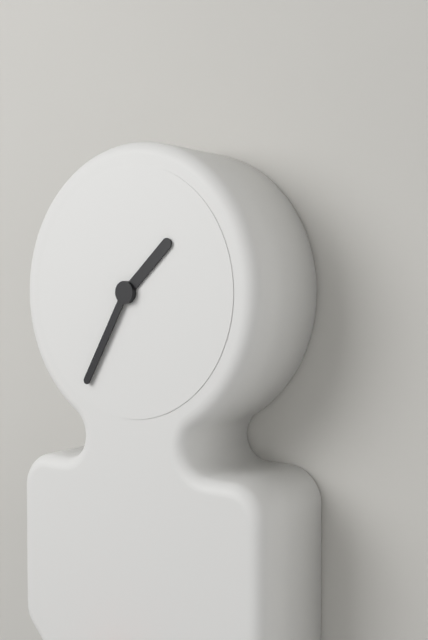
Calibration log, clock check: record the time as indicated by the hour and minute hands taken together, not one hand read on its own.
1:35
